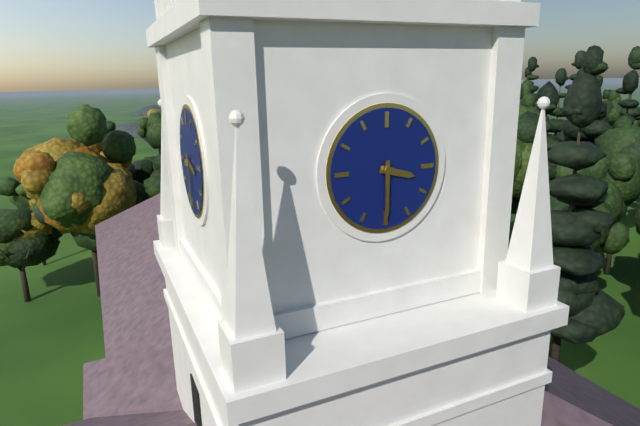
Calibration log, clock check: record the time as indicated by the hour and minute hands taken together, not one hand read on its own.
3:30
